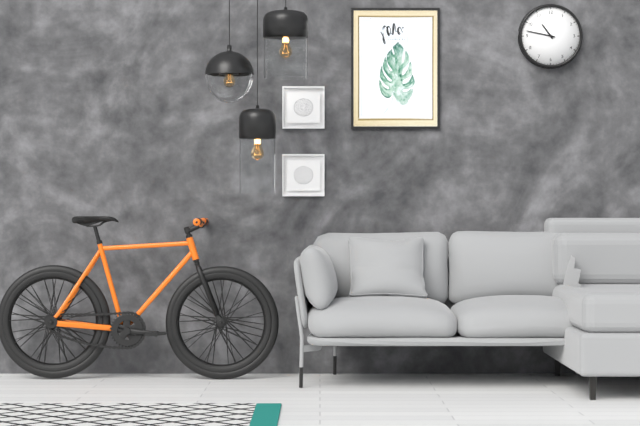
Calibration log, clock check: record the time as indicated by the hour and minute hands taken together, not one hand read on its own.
10:47
